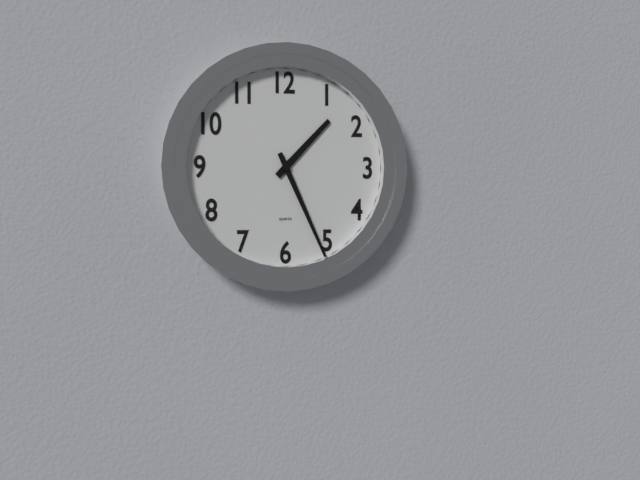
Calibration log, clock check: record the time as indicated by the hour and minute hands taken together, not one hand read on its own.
1:26
